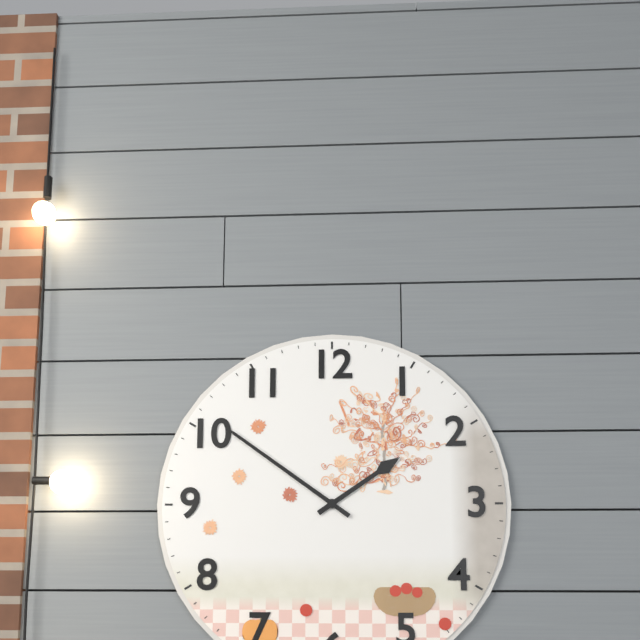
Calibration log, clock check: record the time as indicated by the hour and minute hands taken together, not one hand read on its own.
1:51
